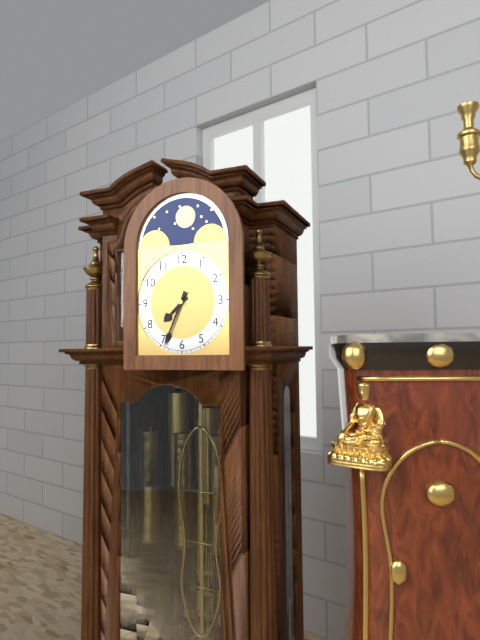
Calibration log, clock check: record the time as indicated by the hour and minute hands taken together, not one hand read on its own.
7:34
